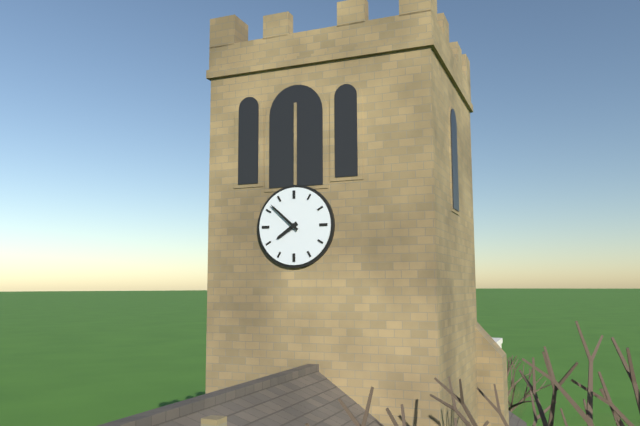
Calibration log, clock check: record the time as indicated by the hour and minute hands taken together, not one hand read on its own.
7:52
